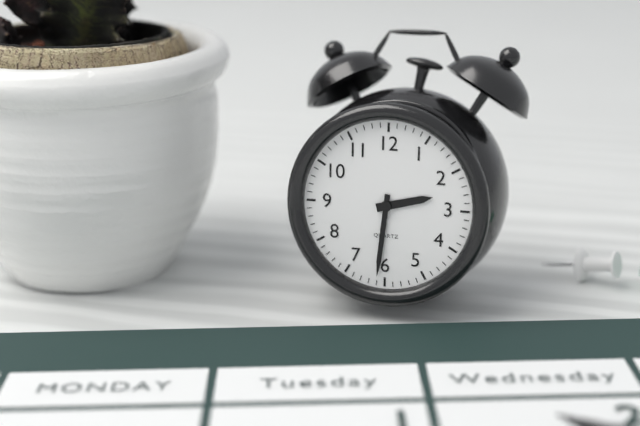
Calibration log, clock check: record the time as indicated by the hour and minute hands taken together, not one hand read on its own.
2:31
